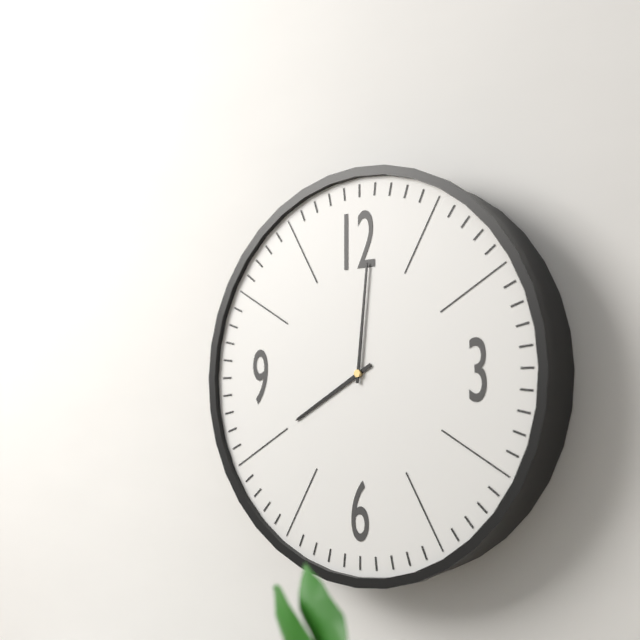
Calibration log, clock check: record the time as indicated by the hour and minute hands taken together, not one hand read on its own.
8:01
